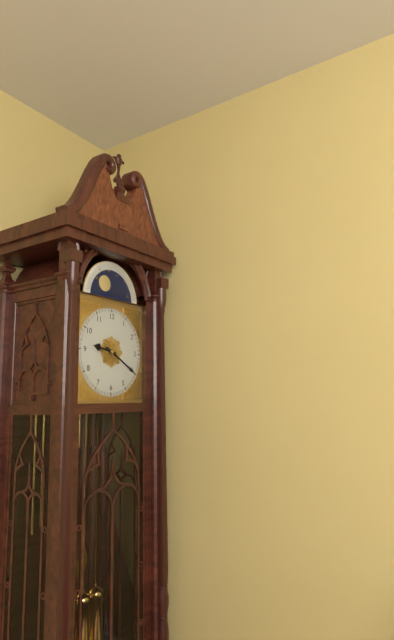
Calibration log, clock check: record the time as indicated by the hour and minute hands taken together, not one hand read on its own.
9:20
